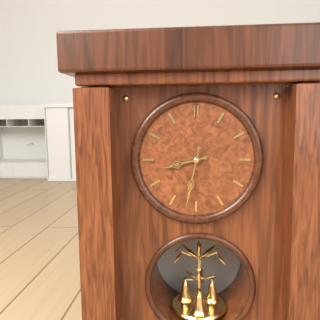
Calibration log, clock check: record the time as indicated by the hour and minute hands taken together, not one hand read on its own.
8:32
